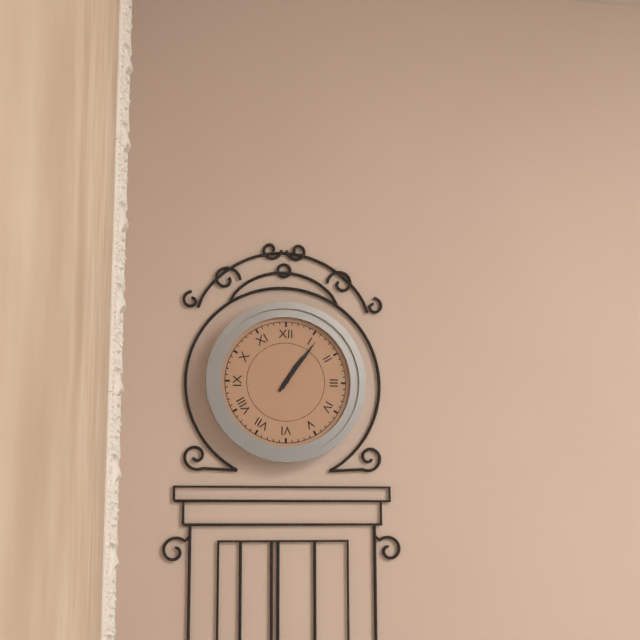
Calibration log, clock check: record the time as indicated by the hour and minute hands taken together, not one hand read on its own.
1:06
